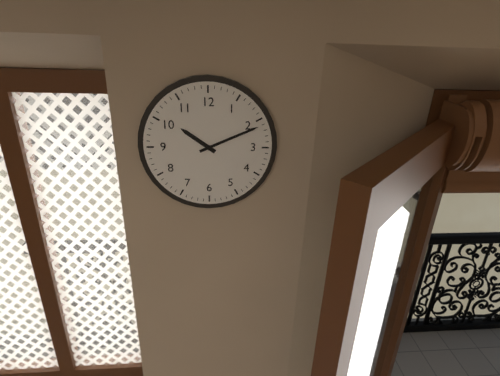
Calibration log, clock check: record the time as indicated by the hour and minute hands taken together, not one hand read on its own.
10:11
